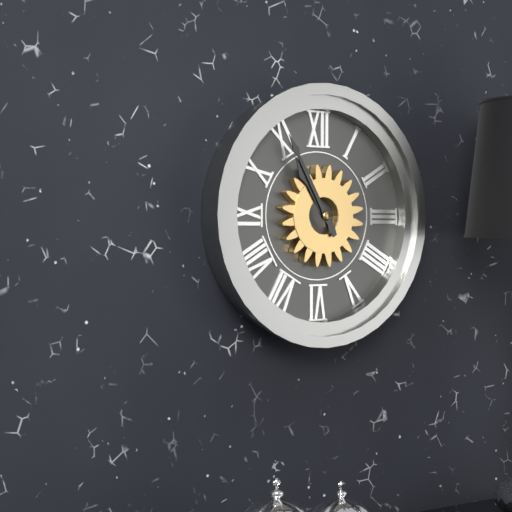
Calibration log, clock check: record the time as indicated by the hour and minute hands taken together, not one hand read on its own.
10:55
